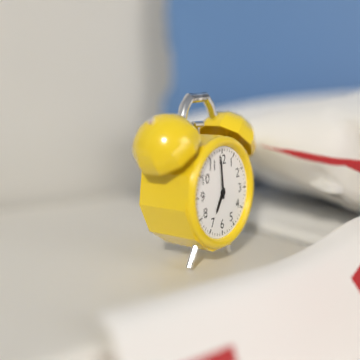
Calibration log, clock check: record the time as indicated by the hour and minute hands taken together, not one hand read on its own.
6:59
